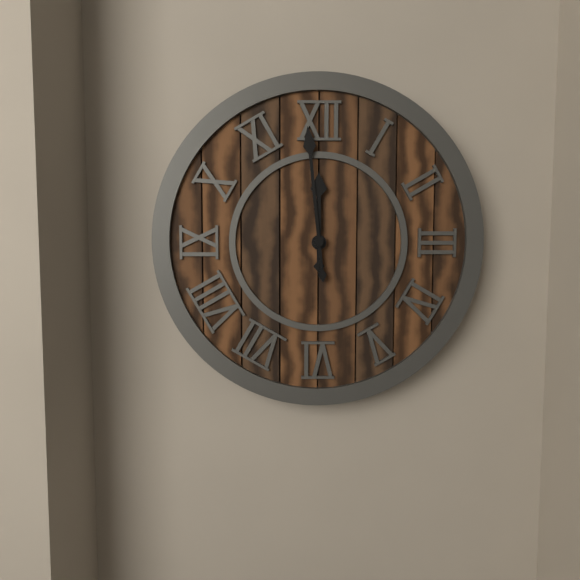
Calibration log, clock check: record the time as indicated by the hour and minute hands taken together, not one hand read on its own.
11:59
